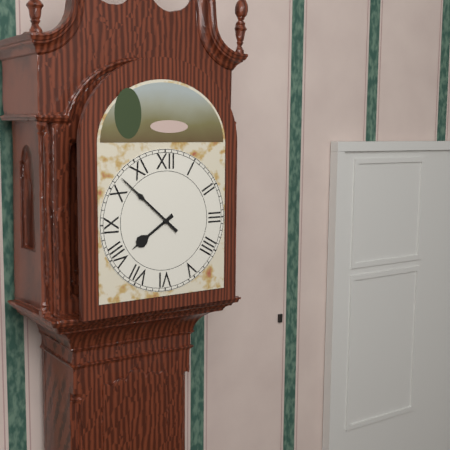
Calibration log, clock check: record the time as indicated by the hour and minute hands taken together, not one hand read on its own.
7:52
